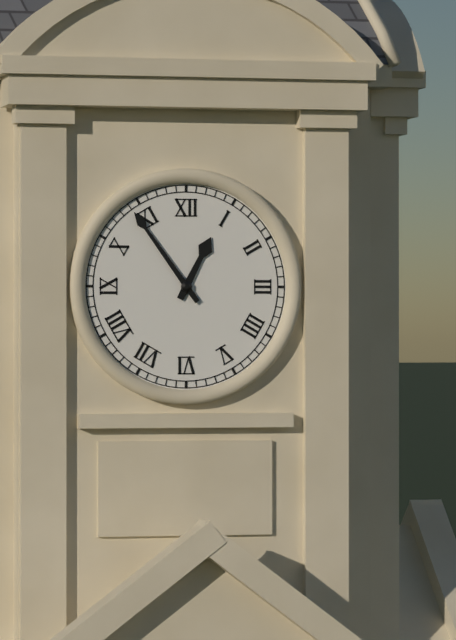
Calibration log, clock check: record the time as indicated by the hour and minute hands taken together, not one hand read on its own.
12:54
